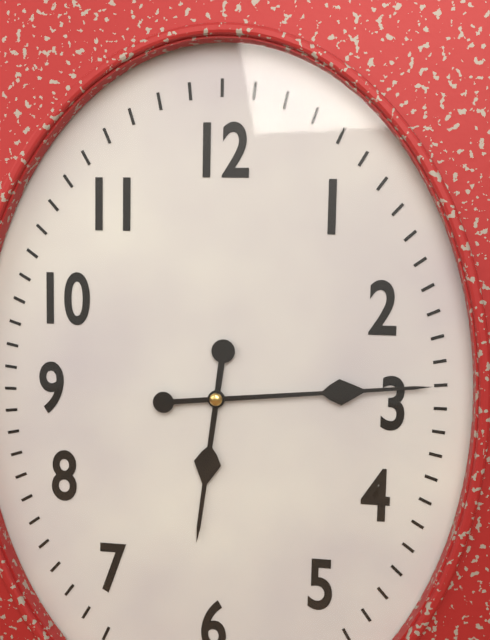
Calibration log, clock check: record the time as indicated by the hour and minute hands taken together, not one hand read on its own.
6:14
